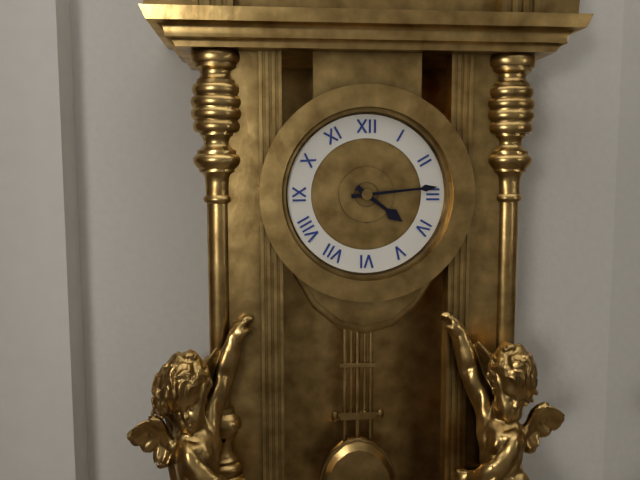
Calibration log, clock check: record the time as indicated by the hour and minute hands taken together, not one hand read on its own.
4:14
